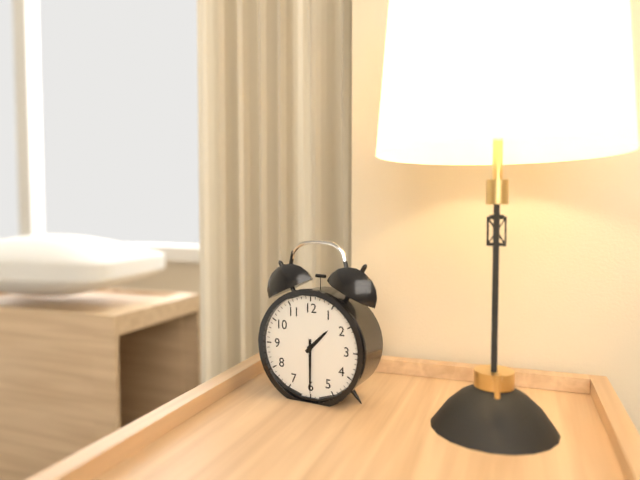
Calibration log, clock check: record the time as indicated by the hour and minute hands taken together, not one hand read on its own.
1:30
